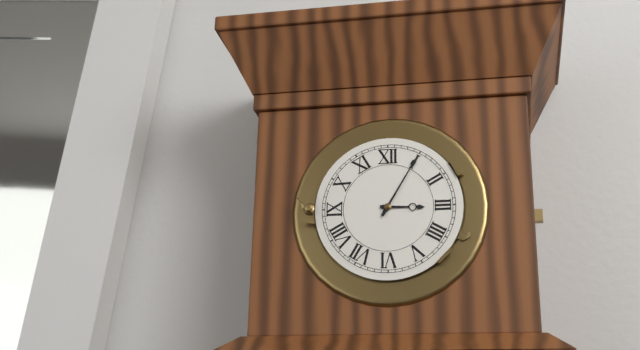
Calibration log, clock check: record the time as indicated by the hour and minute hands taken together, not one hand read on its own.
3:05
